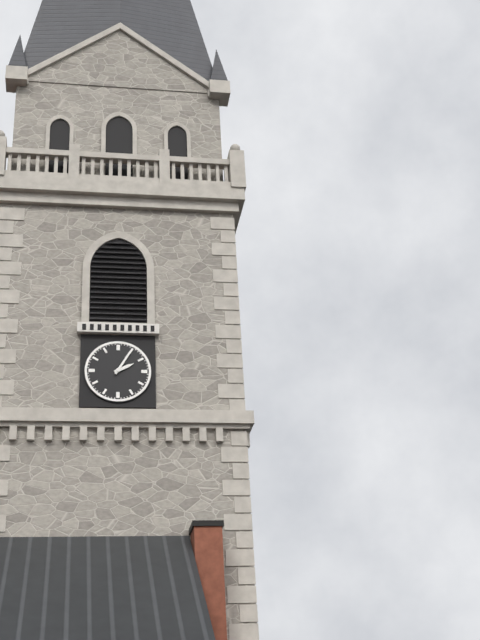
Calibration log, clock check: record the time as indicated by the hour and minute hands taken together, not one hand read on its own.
2:05
